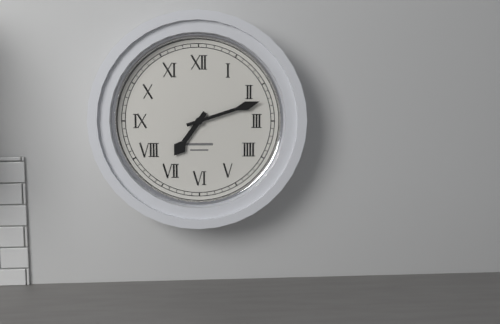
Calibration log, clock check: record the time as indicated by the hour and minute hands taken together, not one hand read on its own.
7:12
